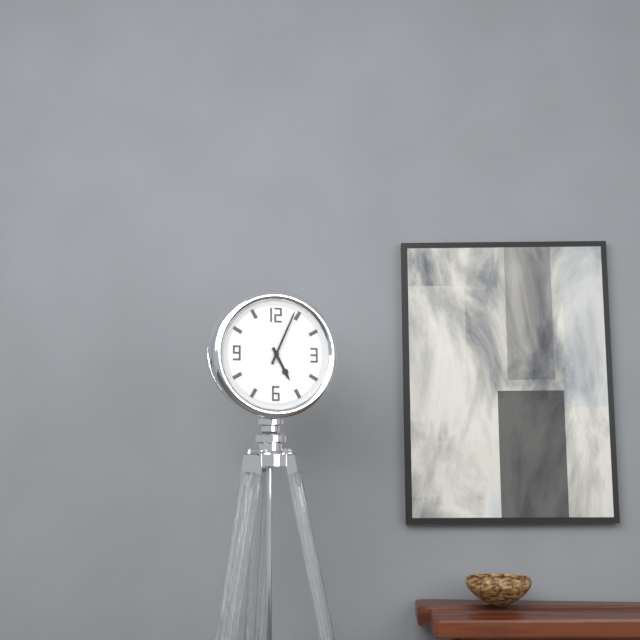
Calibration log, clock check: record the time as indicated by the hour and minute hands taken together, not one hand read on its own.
5:04
